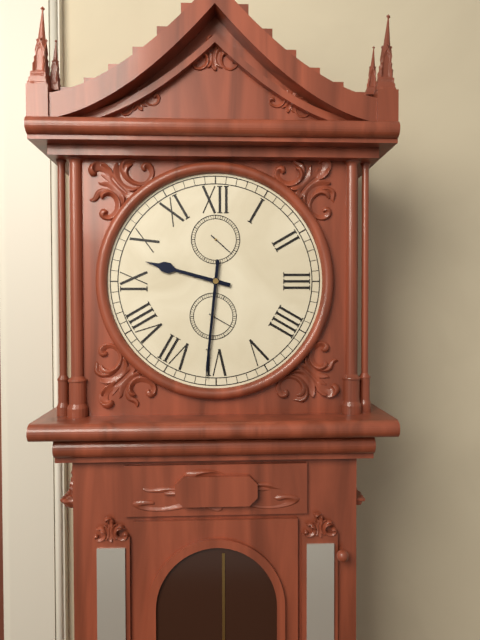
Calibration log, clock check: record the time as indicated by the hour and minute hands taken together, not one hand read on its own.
9:31
